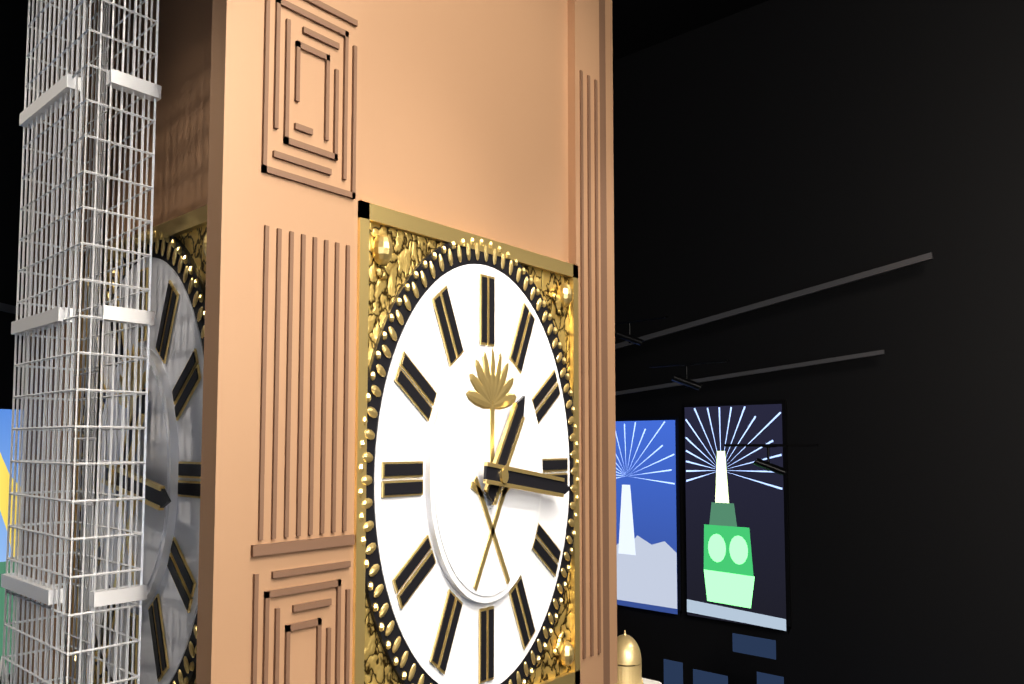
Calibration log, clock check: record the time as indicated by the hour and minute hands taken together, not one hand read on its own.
1:16
